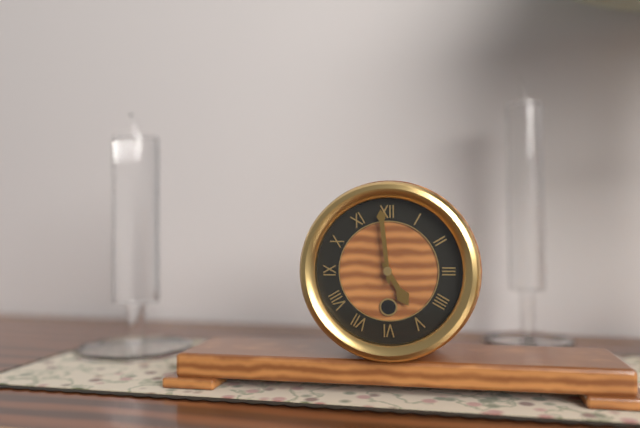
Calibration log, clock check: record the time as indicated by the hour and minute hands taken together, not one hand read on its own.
4:59
